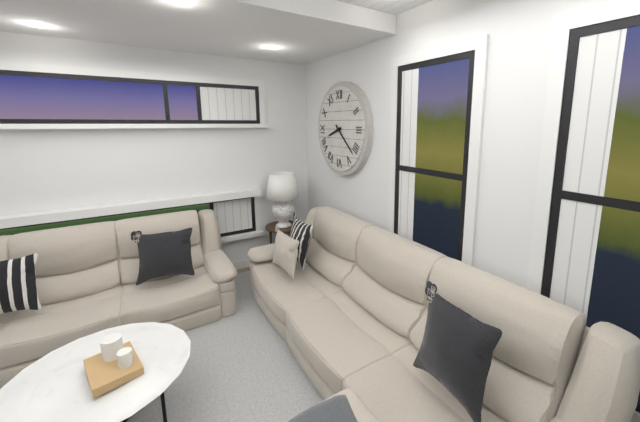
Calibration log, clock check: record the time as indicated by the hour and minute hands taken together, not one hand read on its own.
8:22
